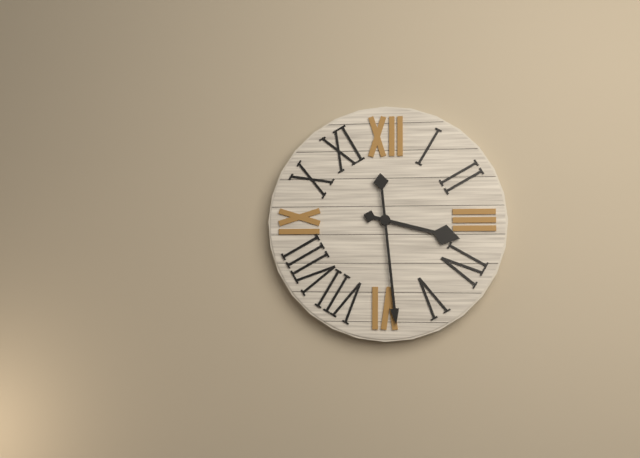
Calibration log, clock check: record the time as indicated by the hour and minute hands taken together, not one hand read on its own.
3:29
